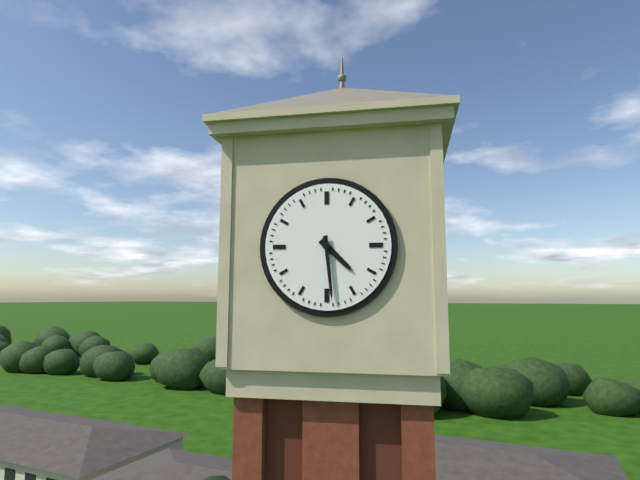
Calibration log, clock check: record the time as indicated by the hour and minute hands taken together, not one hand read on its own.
4:29
